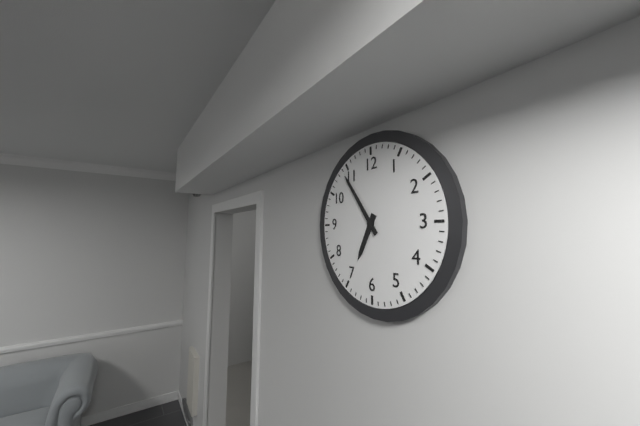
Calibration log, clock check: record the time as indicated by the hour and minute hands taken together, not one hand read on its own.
6:54
